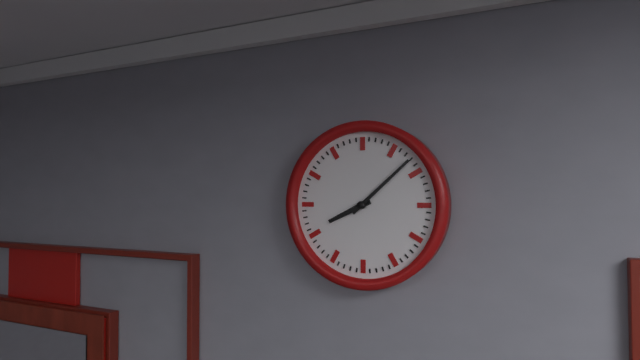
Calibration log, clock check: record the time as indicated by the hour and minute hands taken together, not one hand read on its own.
8:08
